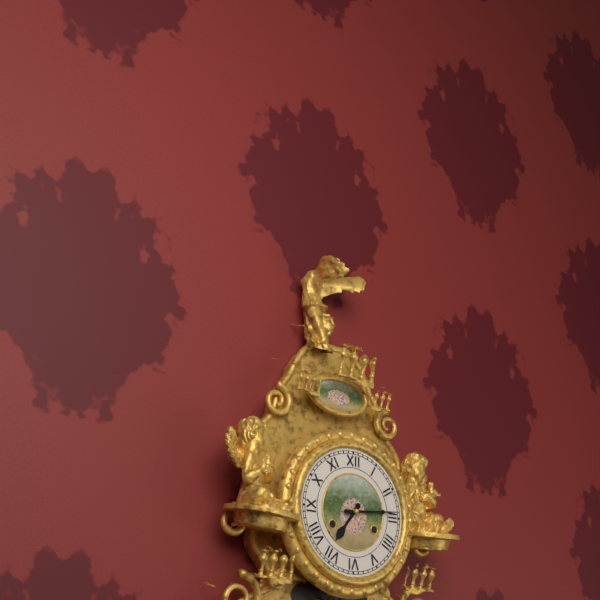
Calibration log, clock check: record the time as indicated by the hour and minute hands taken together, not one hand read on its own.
7:14
